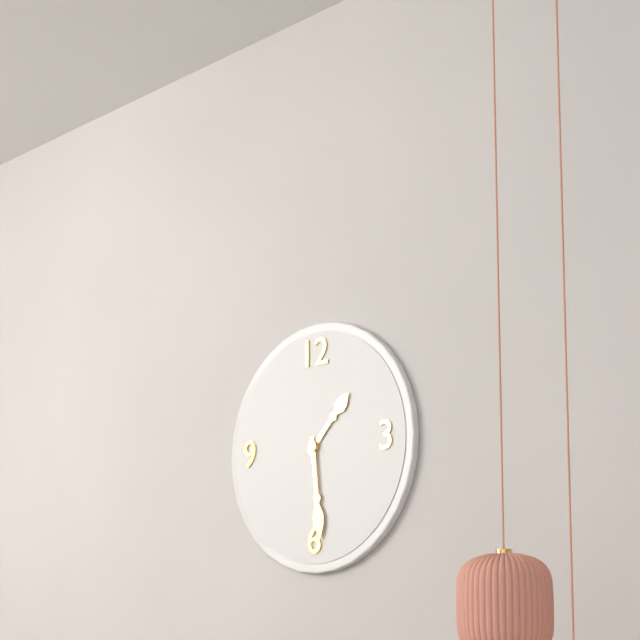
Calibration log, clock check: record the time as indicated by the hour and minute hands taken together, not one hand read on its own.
1:29
